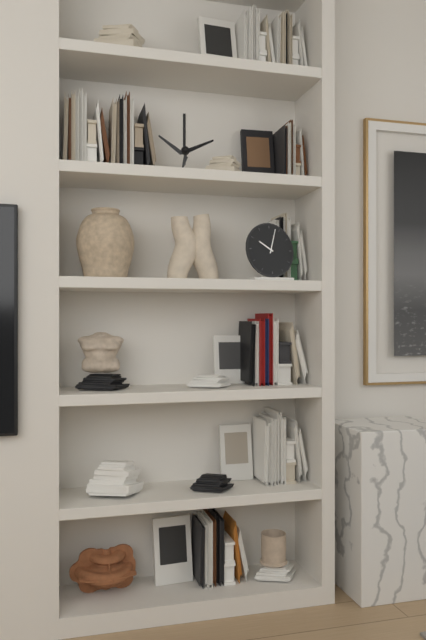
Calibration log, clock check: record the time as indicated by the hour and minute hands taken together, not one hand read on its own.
10:03
